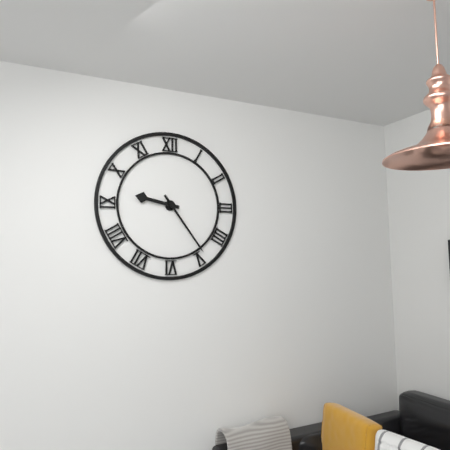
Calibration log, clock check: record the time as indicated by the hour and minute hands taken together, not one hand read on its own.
9:24
